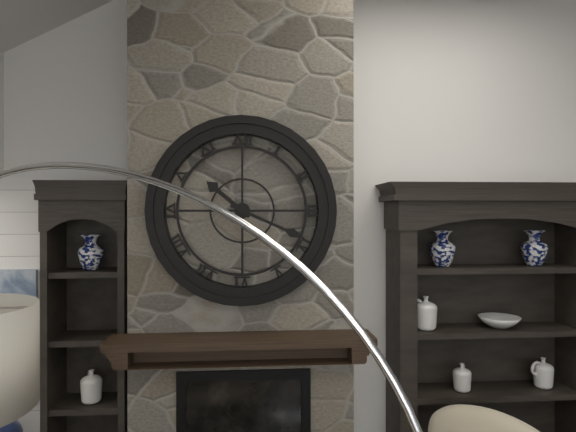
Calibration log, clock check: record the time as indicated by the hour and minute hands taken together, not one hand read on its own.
10:19
